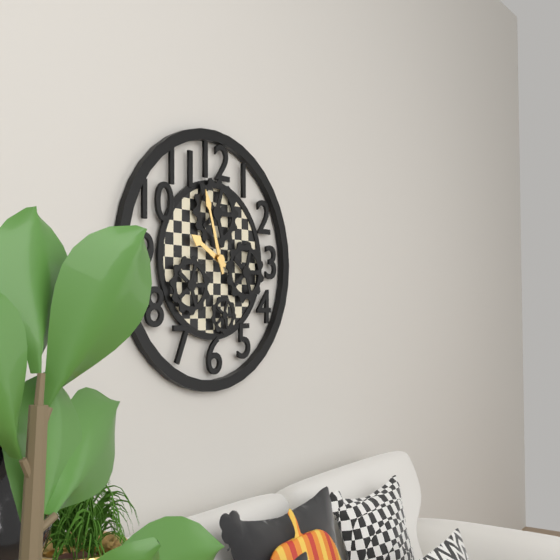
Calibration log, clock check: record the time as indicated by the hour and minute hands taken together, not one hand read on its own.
9:57
